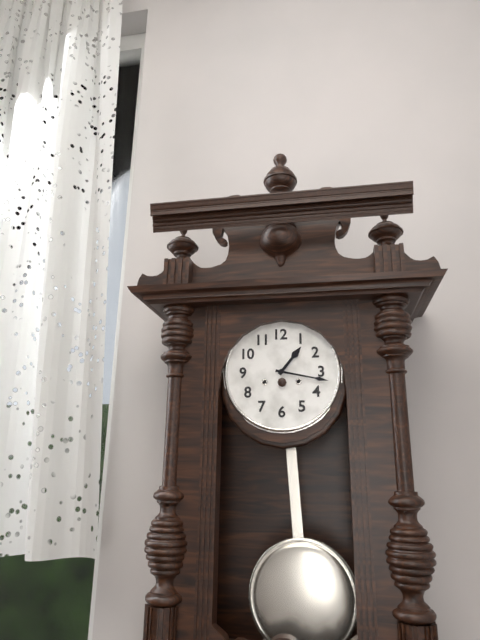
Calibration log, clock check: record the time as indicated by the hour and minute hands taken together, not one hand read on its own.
1:17
